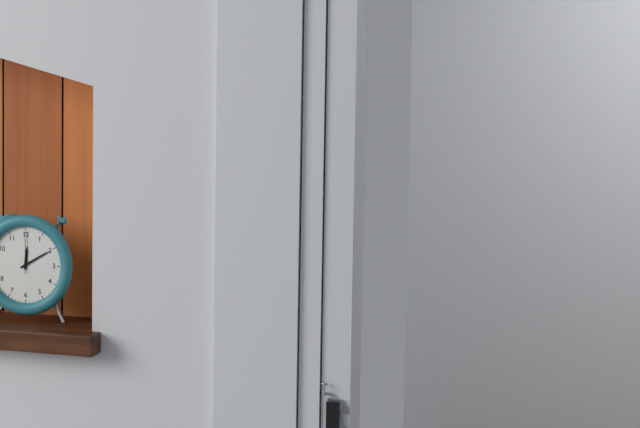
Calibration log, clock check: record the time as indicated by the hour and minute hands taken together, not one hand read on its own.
12:10
